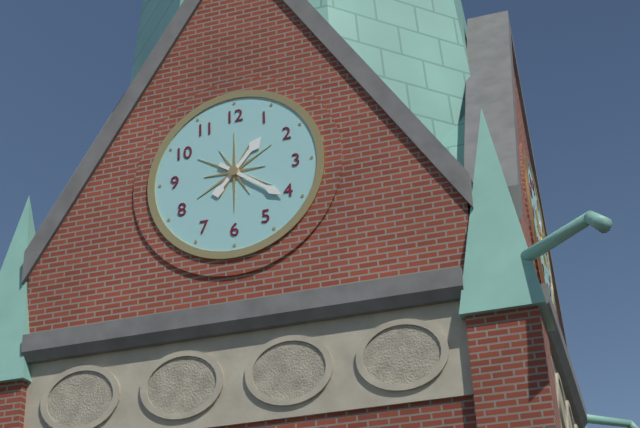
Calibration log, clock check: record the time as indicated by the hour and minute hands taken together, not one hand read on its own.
1:21
